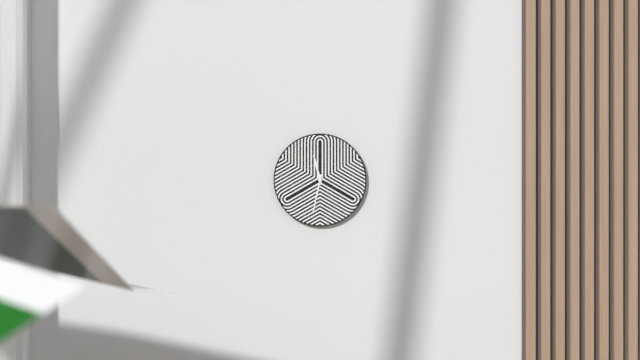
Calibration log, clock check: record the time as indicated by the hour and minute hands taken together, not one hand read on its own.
11:32
